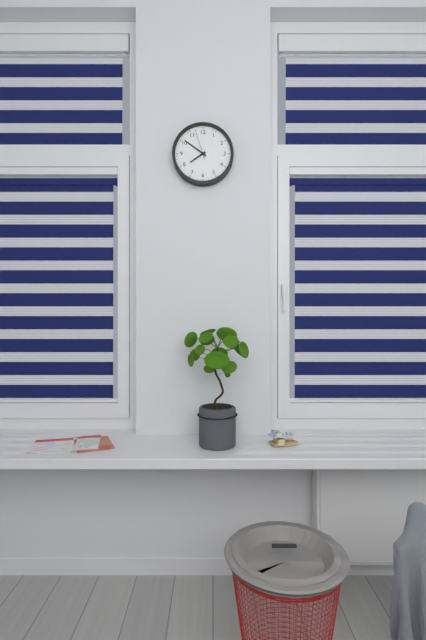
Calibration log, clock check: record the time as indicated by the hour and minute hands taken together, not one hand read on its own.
7:51
